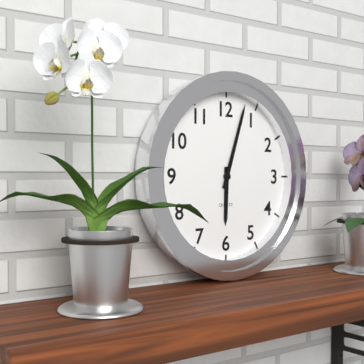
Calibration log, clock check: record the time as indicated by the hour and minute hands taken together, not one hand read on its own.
6:03
